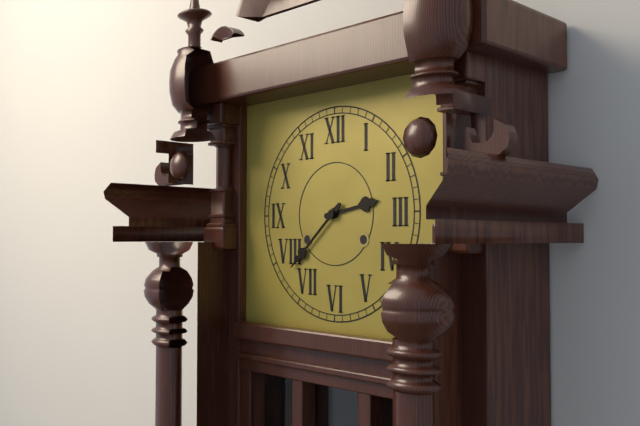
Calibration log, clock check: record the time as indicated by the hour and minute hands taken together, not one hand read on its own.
2:38
